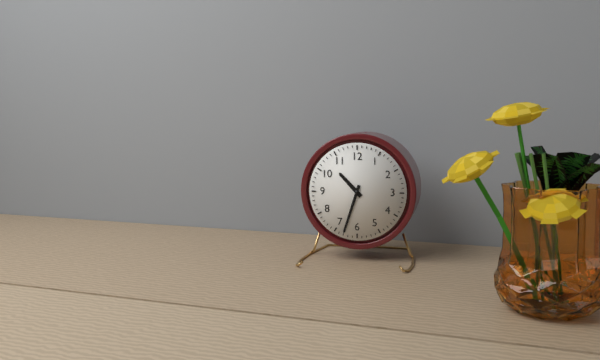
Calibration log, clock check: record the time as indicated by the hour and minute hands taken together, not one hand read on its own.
10:33
